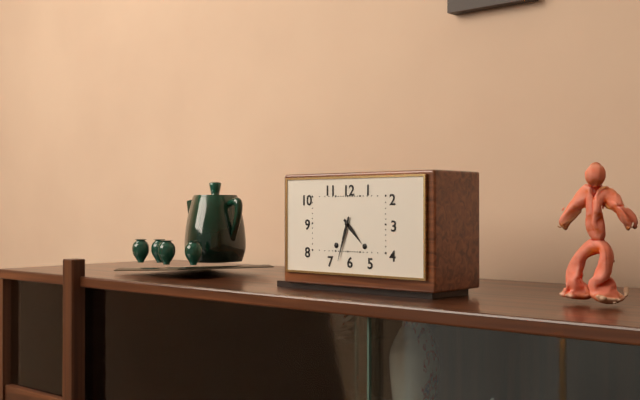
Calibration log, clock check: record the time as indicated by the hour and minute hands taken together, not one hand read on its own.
4:33
